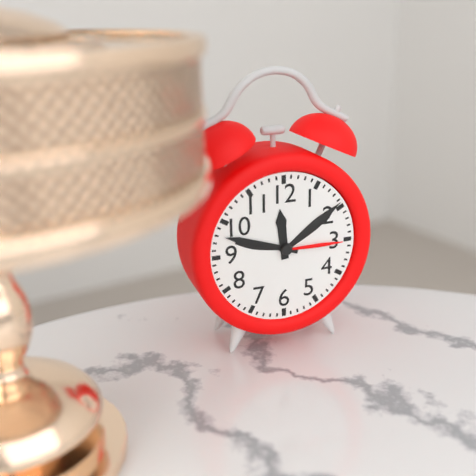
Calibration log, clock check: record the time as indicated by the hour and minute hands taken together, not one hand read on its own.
11:48
